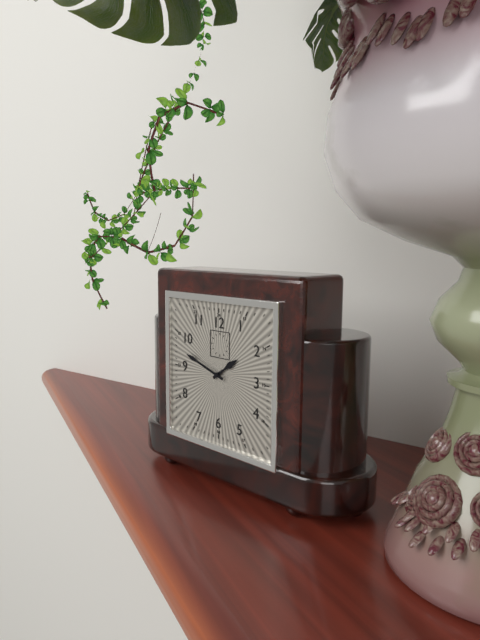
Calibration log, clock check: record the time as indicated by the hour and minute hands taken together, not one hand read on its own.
1:48
